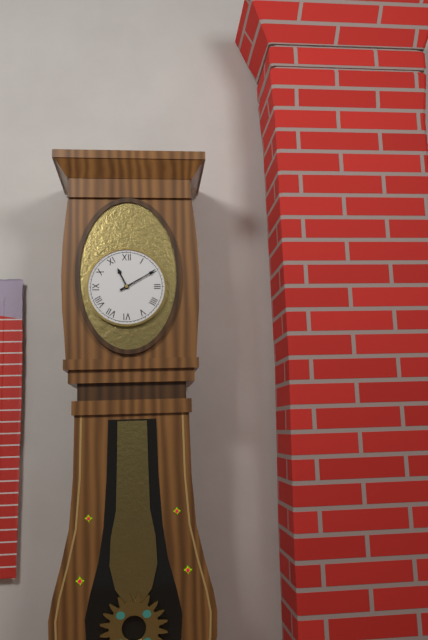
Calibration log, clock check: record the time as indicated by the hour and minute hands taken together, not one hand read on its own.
11:10
